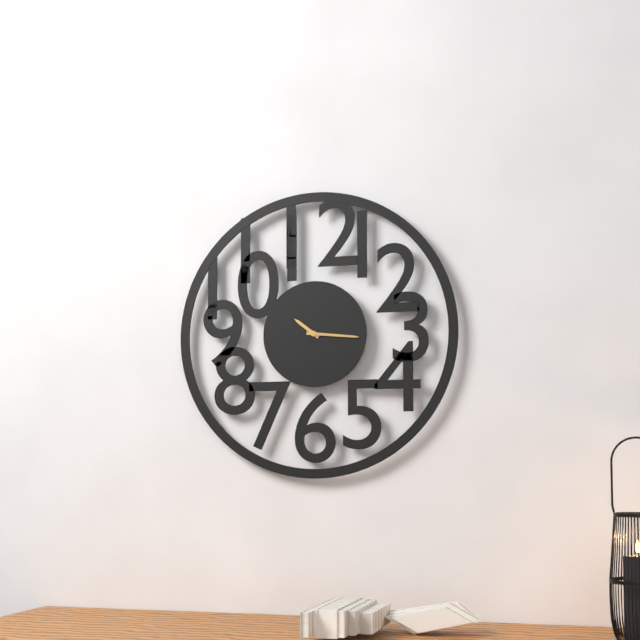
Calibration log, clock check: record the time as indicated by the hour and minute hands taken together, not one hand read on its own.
10:16
